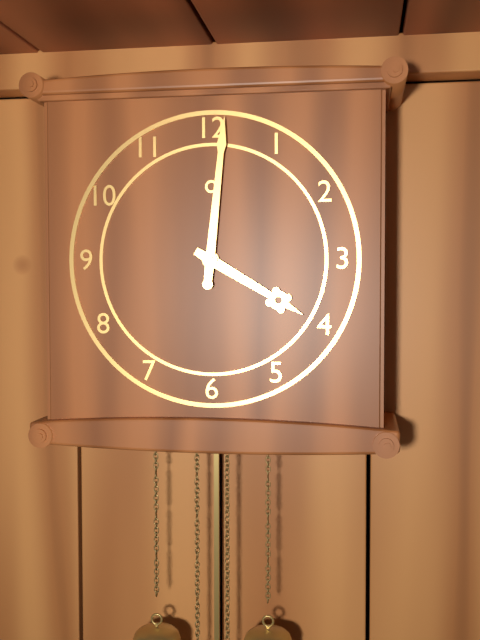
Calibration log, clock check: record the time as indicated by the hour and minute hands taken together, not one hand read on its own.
4:01
